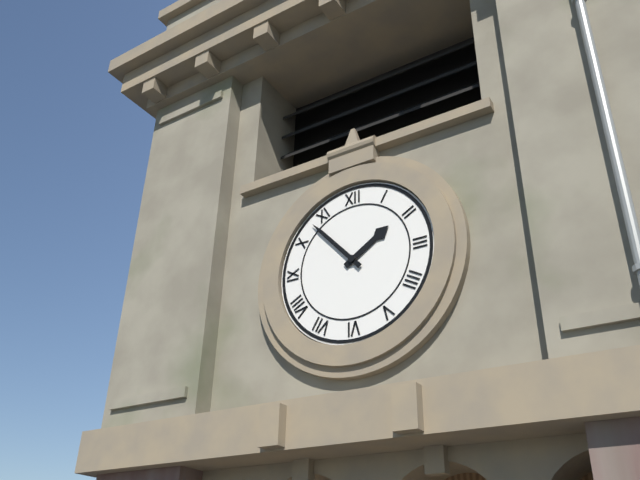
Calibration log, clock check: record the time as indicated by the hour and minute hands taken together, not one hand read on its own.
1:53
